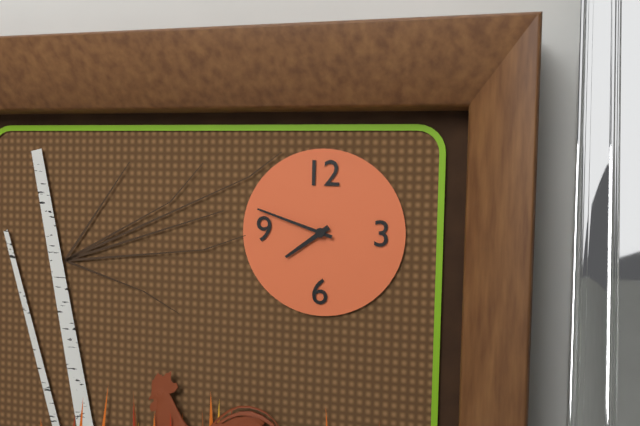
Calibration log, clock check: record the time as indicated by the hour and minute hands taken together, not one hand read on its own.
7:48
